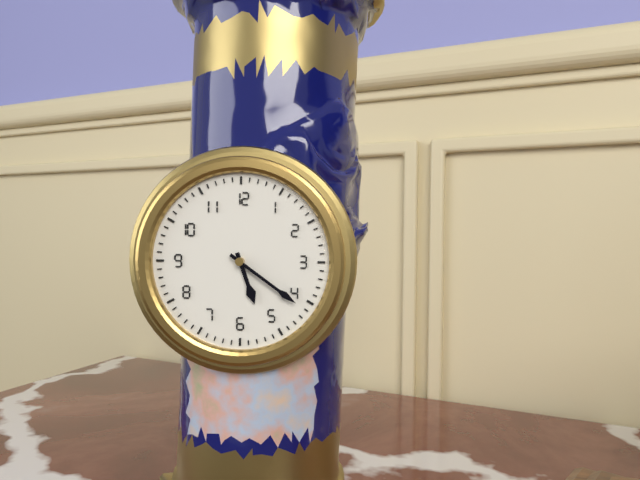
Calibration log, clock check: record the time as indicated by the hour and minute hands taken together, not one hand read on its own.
5:21
